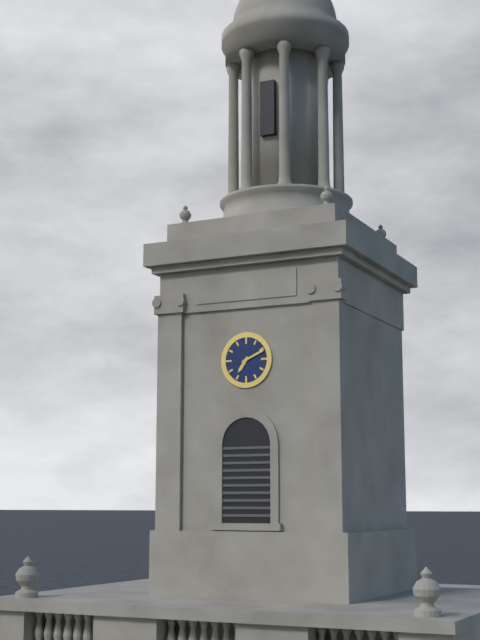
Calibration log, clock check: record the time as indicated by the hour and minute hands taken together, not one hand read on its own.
7:11
